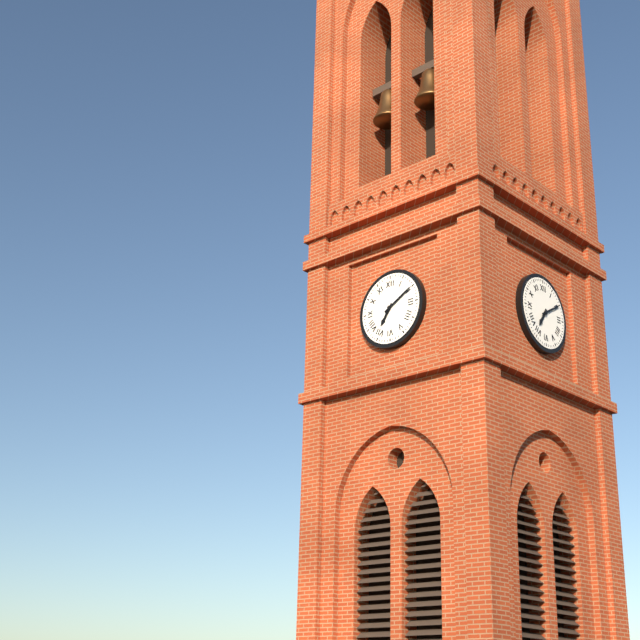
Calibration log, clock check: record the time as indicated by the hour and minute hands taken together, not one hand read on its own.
7:10
